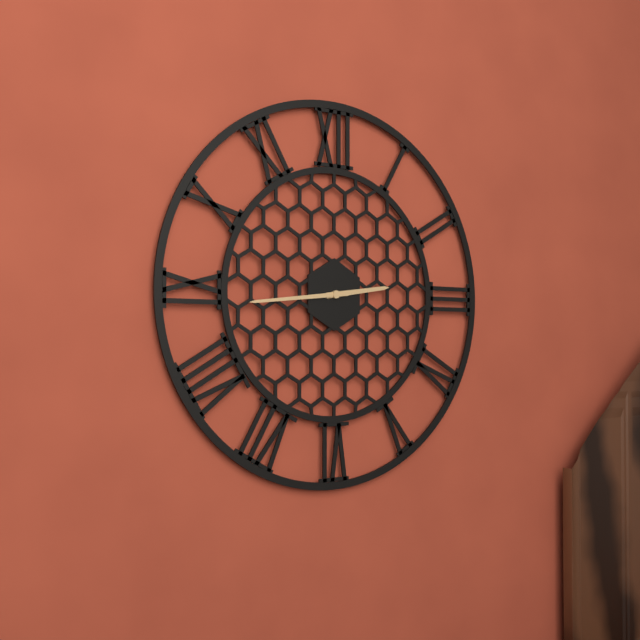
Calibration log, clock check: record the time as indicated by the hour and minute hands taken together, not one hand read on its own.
2:44
